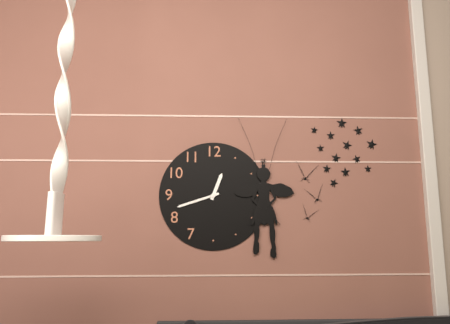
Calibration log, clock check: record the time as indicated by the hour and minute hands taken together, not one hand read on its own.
12:42
